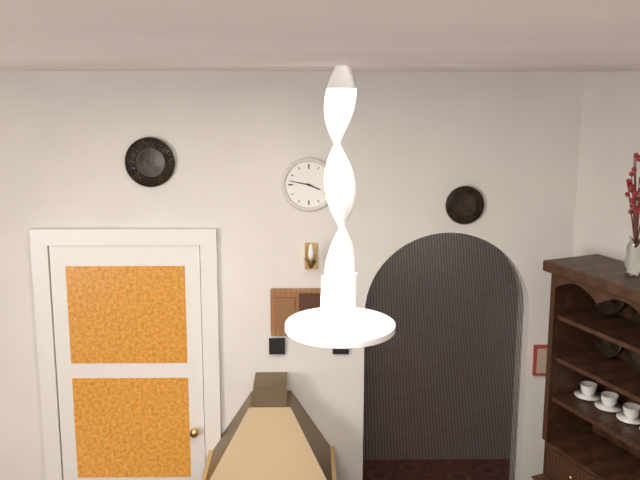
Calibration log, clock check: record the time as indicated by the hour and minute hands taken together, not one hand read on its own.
3:47
